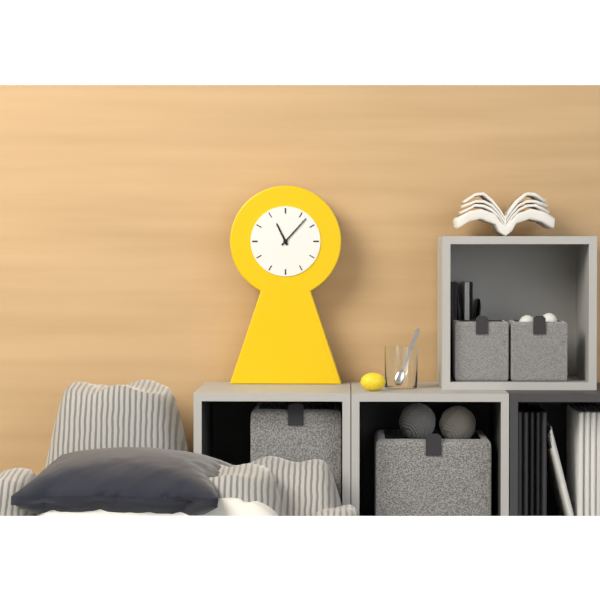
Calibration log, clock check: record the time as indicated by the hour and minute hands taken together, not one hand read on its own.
11:07
